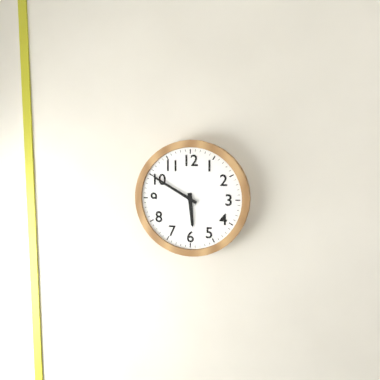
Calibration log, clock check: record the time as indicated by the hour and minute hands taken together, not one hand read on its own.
5:50
